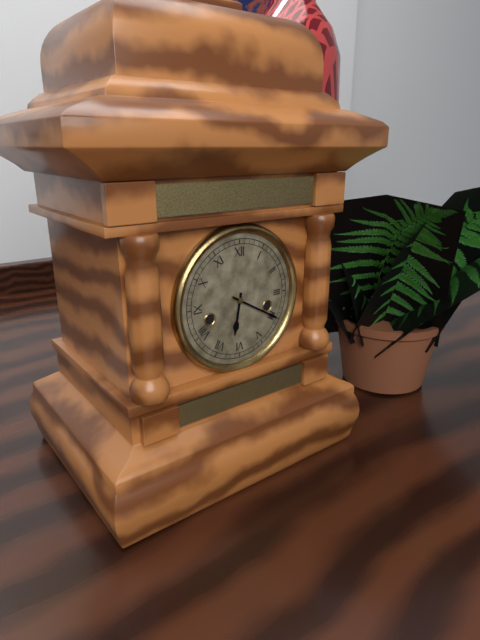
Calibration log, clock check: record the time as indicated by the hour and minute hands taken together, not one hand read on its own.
6:20
